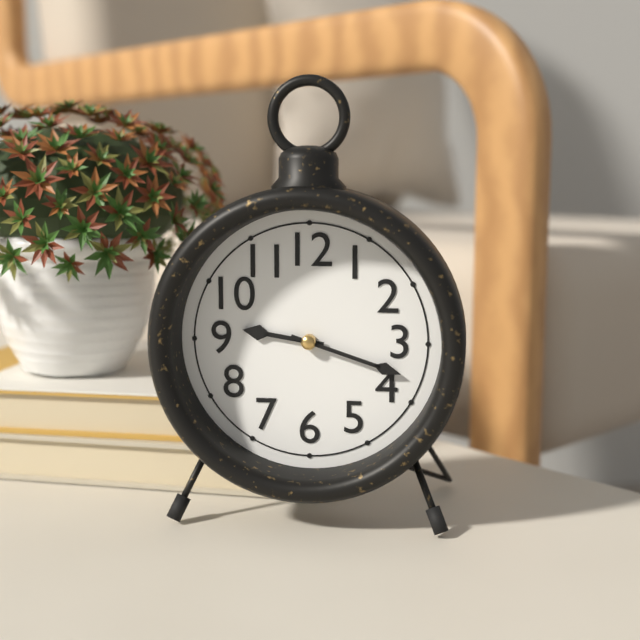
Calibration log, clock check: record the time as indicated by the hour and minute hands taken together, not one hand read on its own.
9:18
